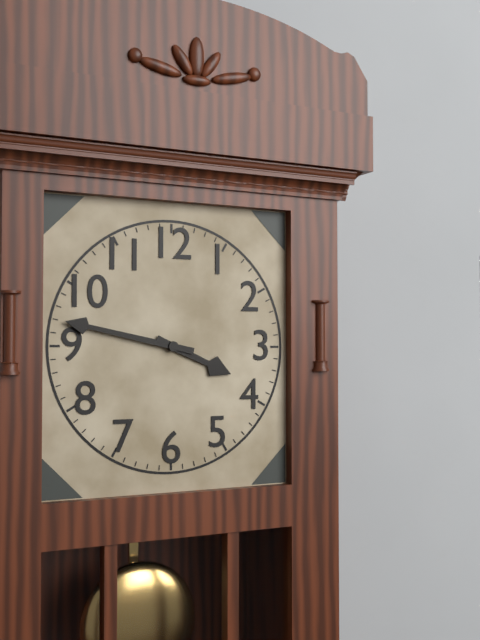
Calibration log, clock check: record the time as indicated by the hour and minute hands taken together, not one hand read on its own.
3:47
